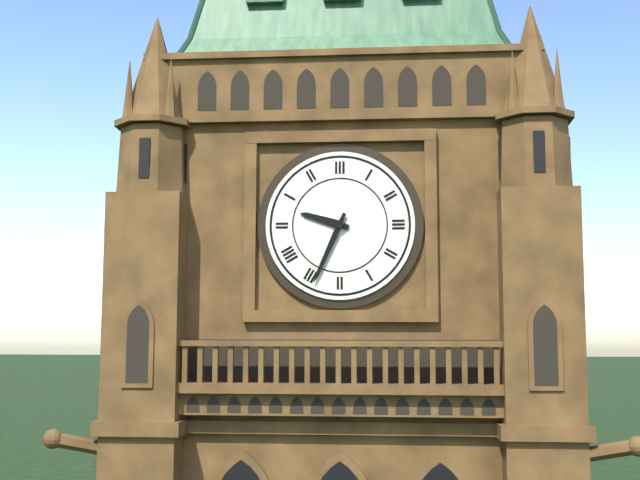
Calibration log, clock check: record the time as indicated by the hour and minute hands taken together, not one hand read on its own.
9:34
